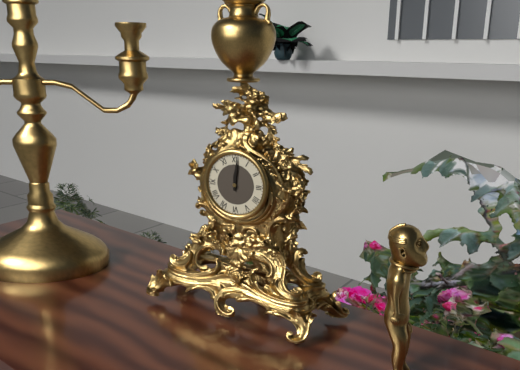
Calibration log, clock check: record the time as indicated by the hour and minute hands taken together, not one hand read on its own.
12:01
